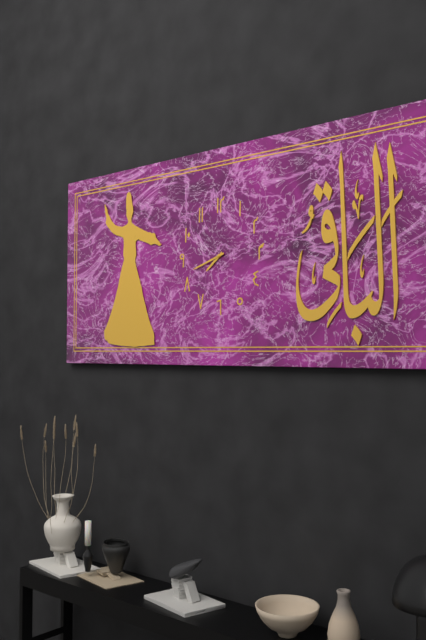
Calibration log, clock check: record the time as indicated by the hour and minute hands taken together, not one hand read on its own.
7:42
